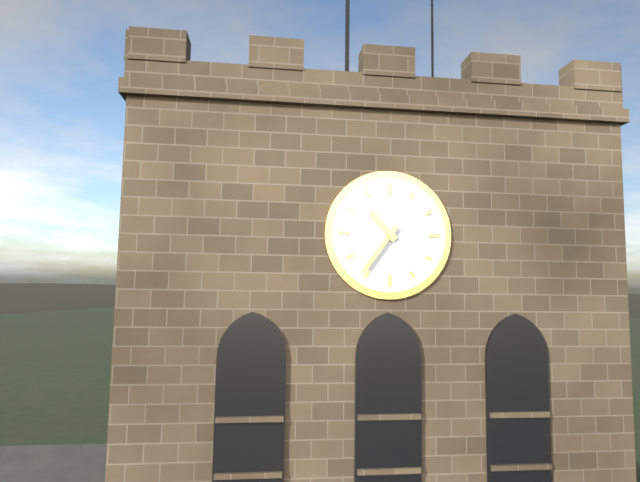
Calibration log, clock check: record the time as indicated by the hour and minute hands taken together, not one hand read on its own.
10:36
